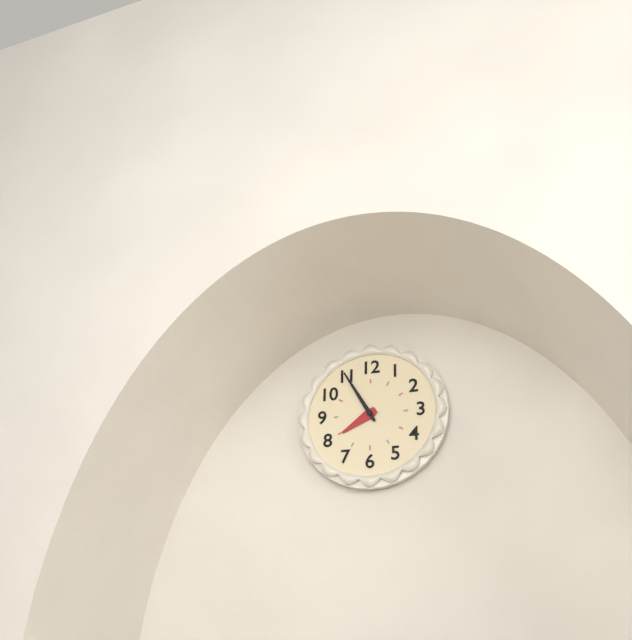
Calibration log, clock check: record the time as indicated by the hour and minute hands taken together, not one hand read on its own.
7:55
